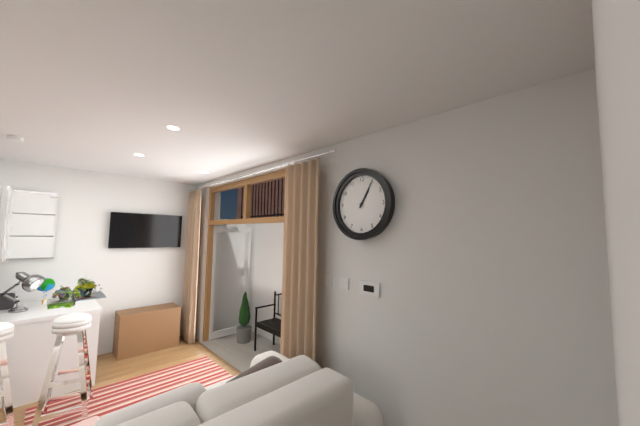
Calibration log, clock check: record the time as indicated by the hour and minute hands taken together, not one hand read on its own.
1:05
